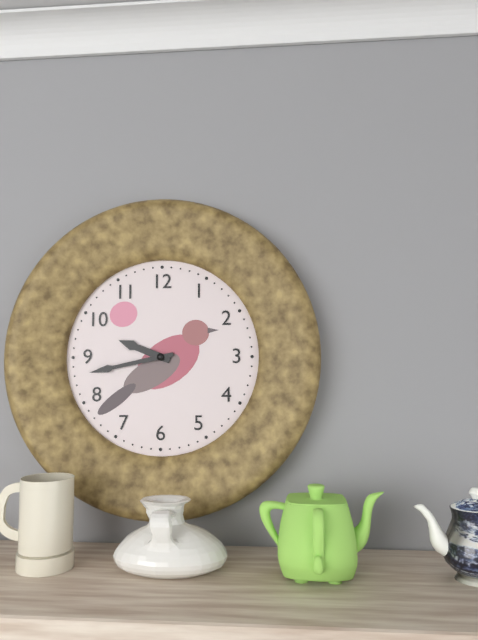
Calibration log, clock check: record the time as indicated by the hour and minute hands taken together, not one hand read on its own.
9:43
